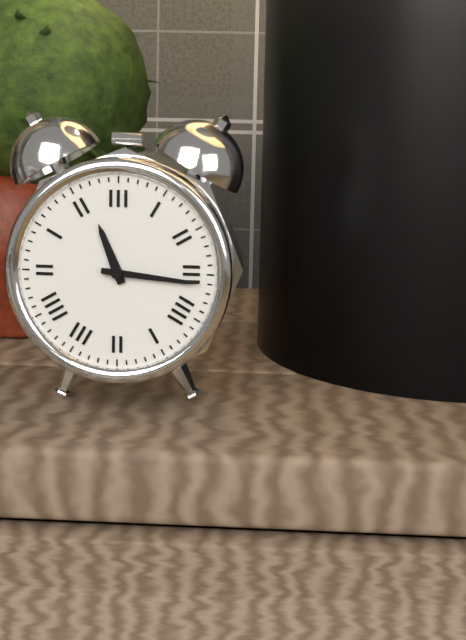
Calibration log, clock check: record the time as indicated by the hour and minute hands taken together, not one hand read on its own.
11:16
